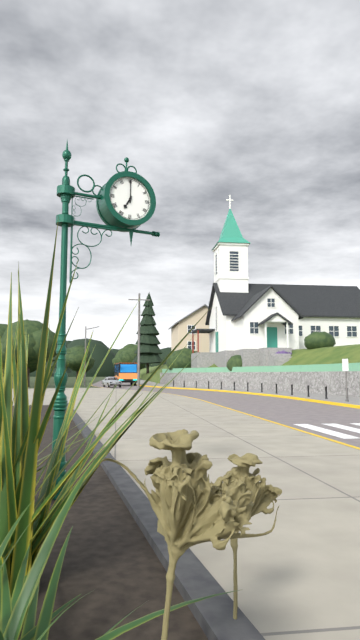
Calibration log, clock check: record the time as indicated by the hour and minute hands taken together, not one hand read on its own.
7:00
